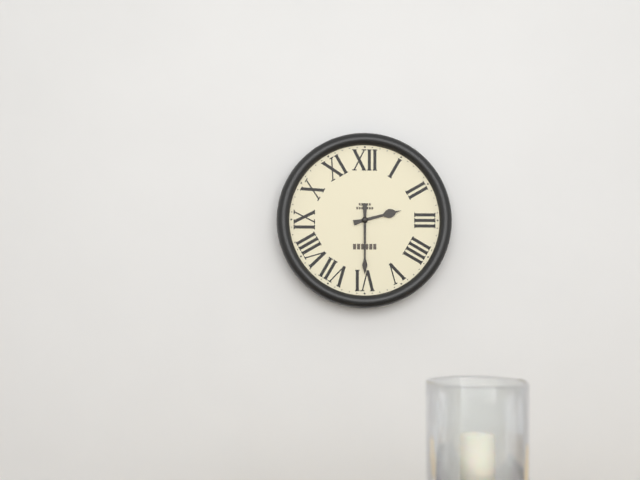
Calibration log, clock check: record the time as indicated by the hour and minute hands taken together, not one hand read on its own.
2:30
